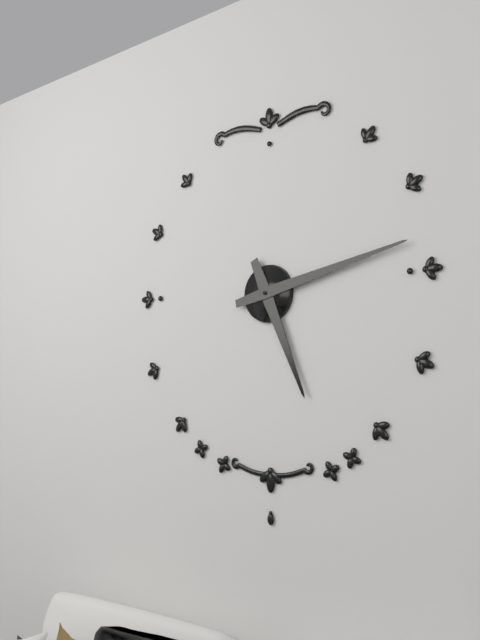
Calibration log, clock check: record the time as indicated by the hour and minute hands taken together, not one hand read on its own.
5:13
